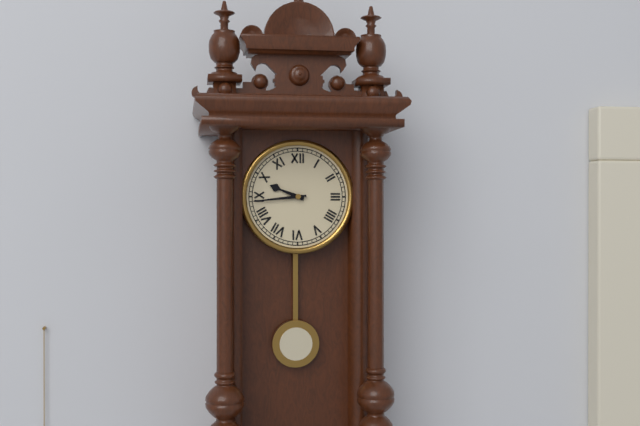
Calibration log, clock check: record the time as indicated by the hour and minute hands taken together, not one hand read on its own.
9:44
